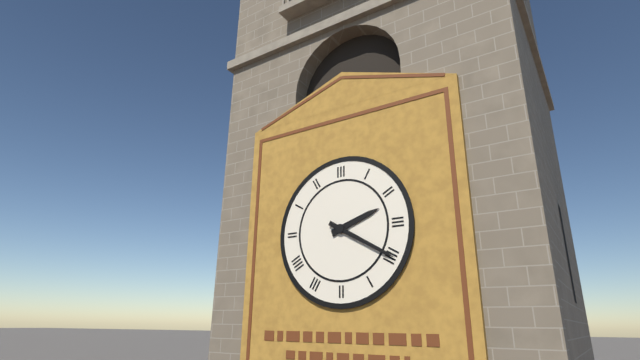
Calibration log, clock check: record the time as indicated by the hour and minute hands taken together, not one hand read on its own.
2:20
